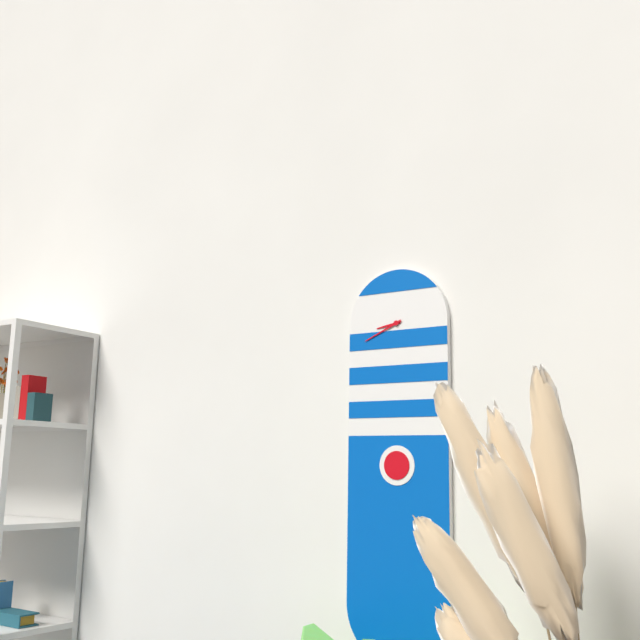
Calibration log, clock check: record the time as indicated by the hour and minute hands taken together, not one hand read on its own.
8:41
